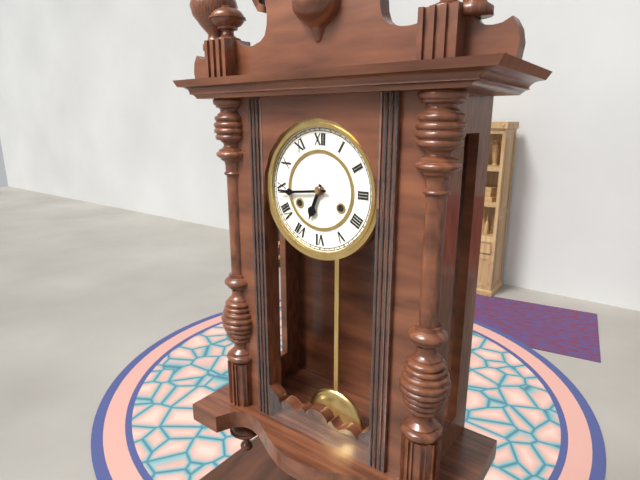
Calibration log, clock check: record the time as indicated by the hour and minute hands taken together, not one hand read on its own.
6:44
